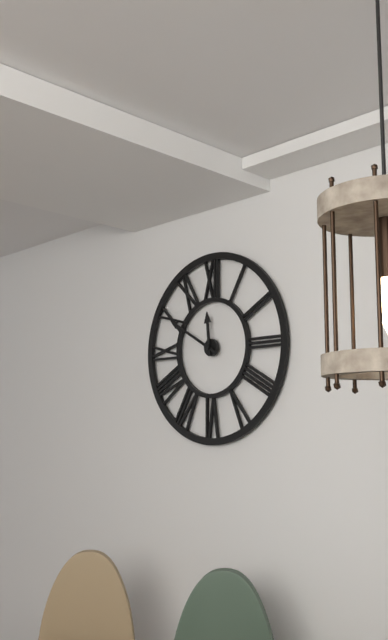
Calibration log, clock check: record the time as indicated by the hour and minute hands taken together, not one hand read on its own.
11:50
